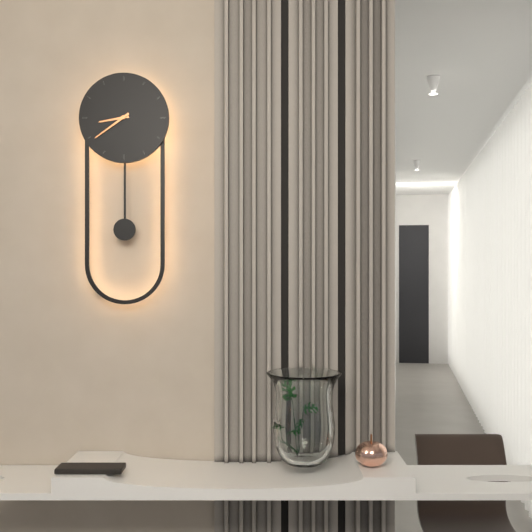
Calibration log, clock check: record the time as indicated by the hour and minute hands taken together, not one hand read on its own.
8:39
